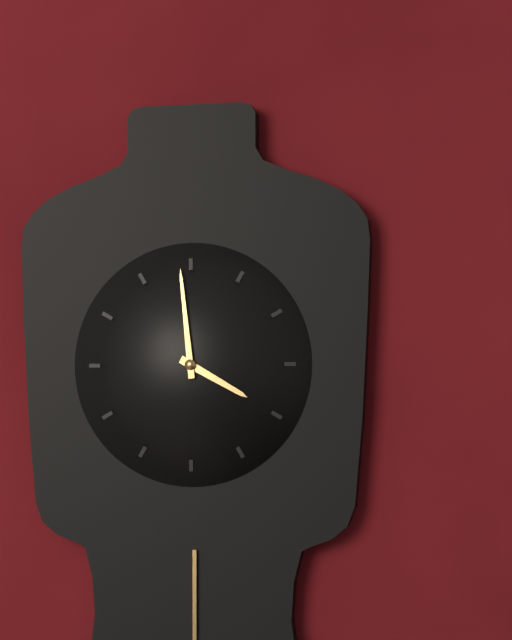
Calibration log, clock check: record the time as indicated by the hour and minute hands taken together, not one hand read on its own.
3:59
